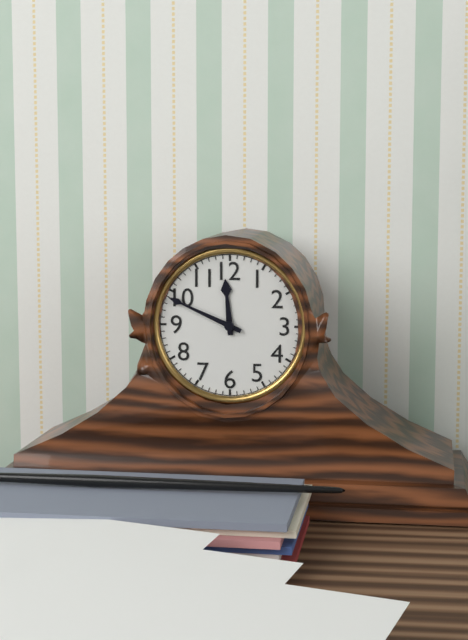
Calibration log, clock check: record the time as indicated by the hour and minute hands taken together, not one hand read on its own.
11:49
